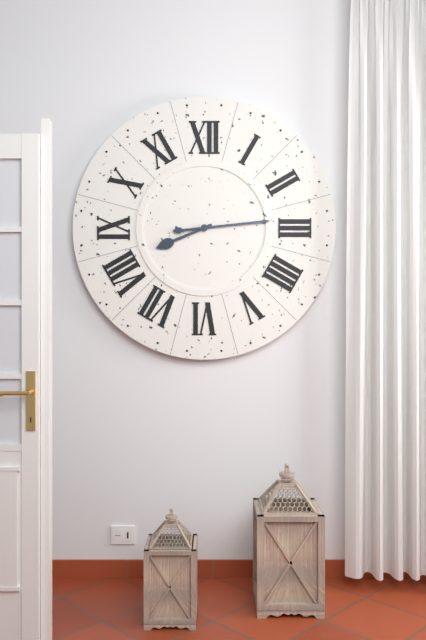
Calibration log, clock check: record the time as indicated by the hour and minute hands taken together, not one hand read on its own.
8:14
